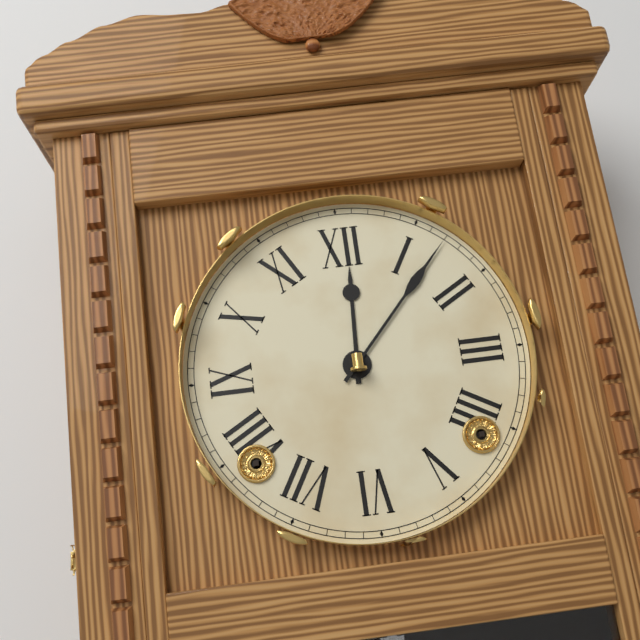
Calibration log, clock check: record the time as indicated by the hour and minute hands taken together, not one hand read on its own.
12:07
